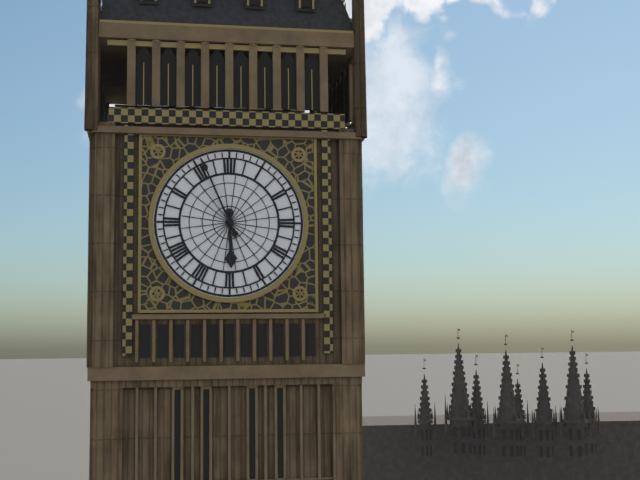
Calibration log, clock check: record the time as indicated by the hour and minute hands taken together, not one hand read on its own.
5:56
